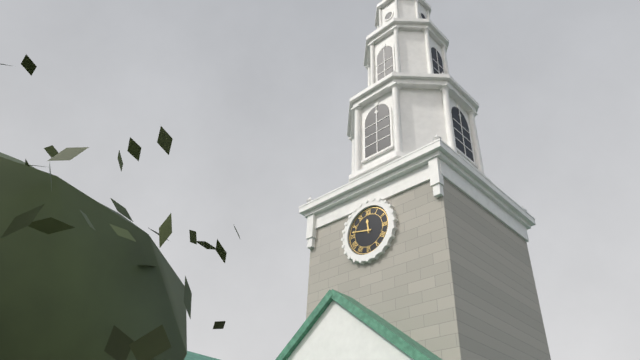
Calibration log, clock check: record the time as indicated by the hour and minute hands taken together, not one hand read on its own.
11:47
